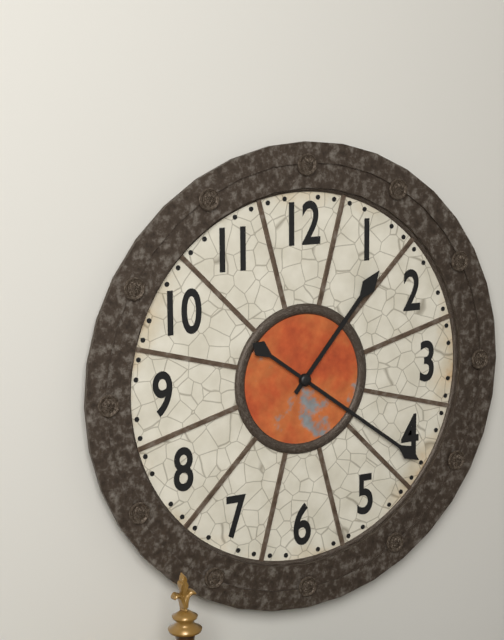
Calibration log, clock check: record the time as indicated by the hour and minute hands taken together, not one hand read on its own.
1:21
